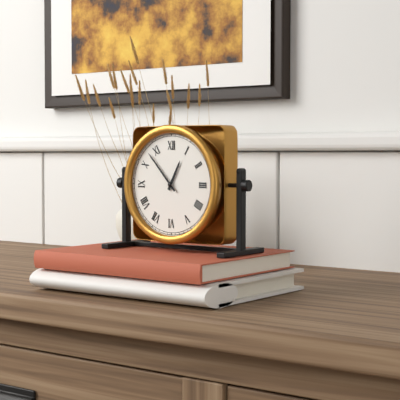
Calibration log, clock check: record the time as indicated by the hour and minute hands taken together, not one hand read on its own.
12:53
